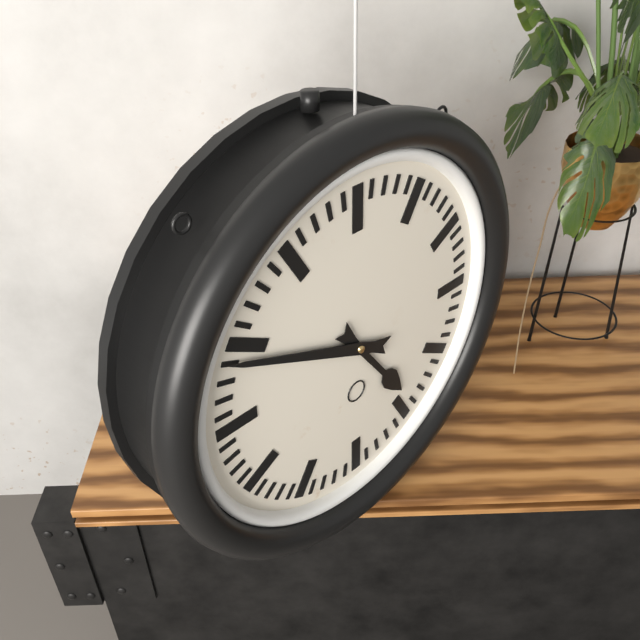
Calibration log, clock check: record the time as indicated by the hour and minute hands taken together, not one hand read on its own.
4:49
